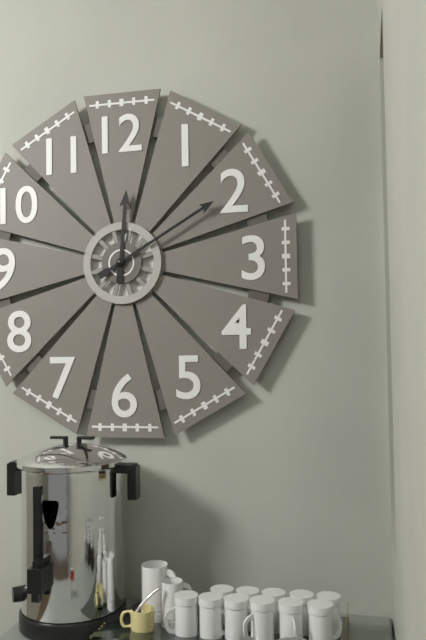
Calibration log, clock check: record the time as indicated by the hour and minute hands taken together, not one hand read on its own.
12:10
